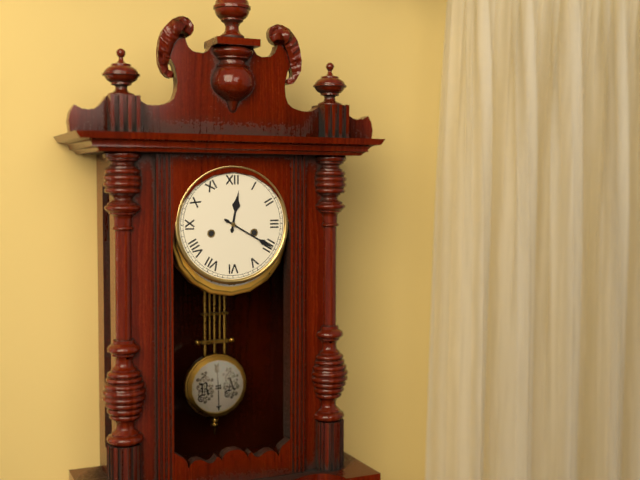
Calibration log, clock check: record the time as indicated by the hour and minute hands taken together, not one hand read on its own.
12:20
